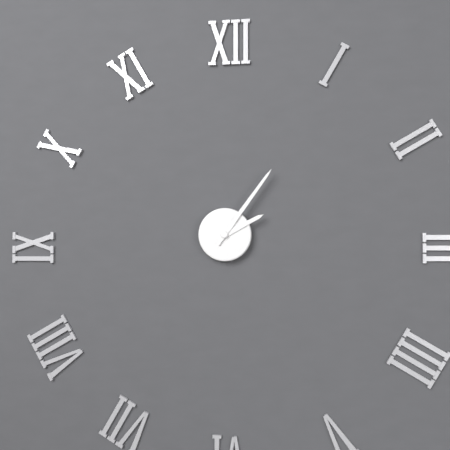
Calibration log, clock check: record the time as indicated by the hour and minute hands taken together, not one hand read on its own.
2:06
